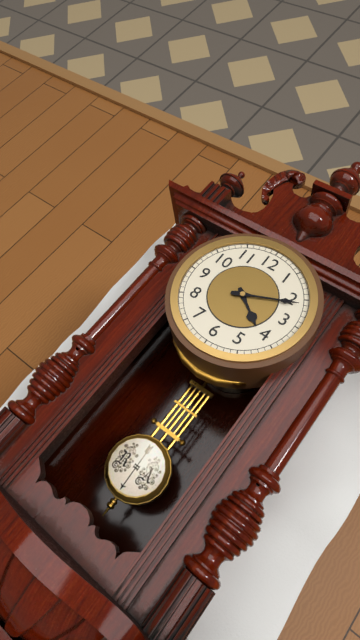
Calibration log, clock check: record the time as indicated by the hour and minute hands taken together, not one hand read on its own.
4:11
